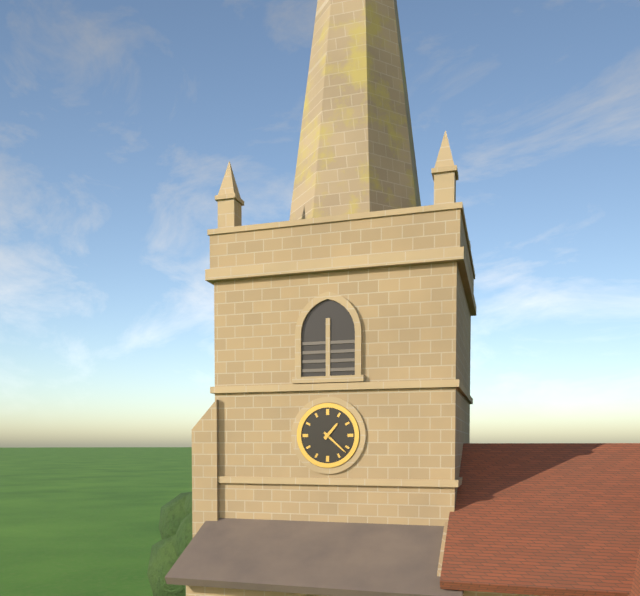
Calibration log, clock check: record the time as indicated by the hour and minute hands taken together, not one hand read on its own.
1:22
